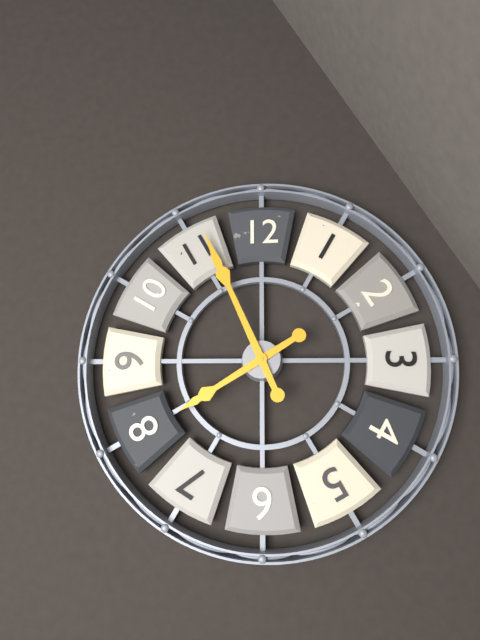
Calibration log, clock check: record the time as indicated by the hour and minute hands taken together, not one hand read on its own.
7:56
